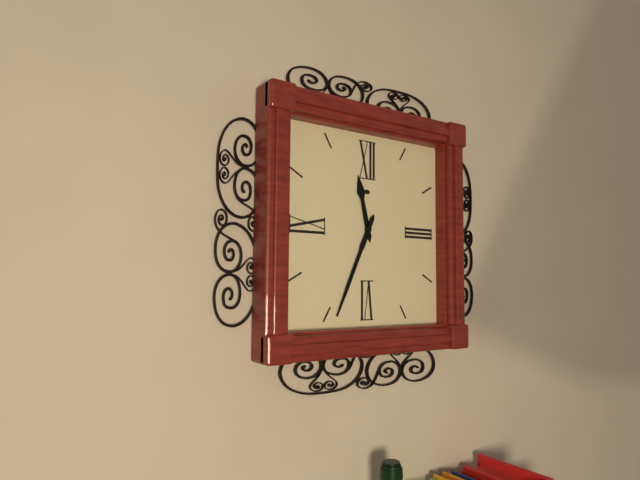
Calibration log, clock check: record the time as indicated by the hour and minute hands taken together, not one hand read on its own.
11:34
